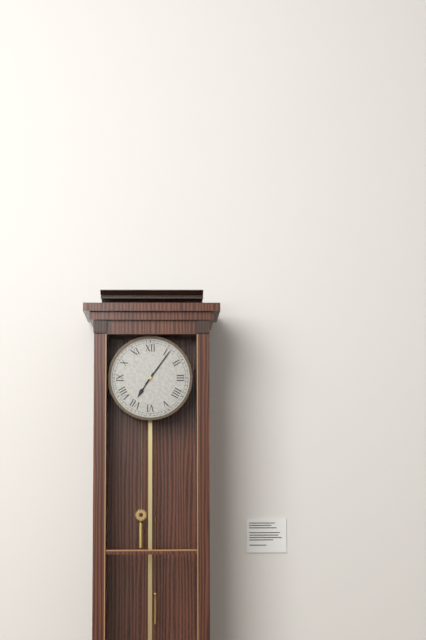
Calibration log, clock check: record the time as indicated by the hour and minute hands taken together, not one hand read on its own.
7:06
